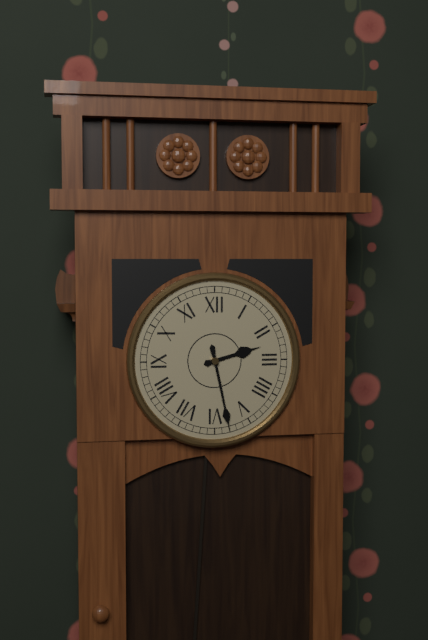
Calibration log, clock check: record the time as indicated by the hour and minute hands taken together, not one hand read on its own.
2:28
